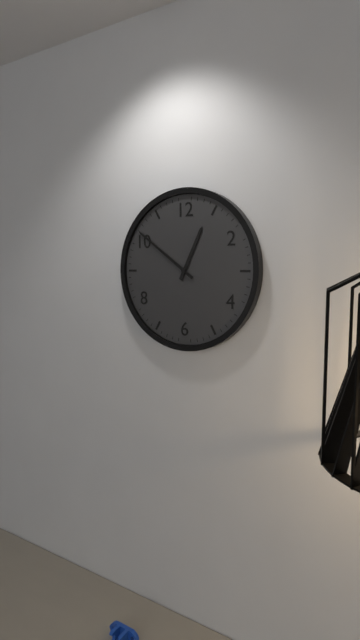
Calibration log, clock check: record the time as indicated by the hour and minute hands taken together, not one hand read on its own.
12:51
